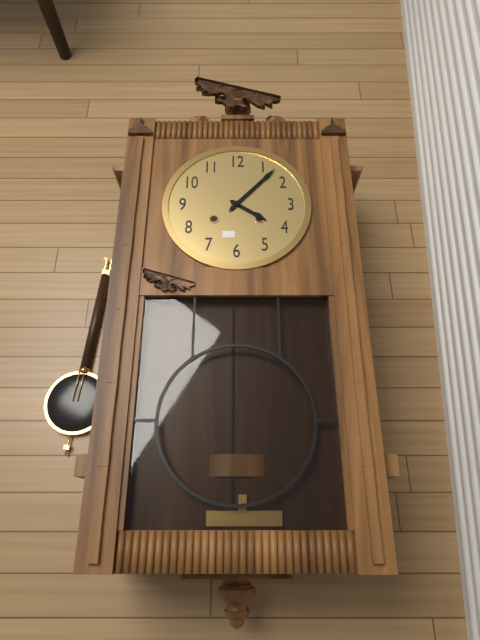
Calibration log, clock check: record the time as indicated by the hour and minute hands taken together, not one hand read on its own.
4:07
